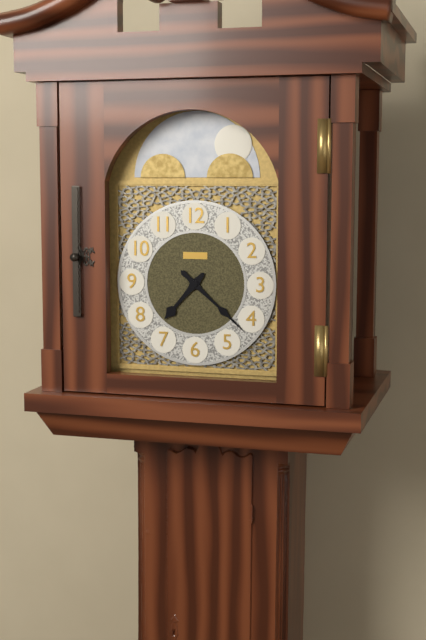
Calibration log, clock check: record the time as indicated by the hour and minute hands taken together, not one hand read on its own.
7:22
